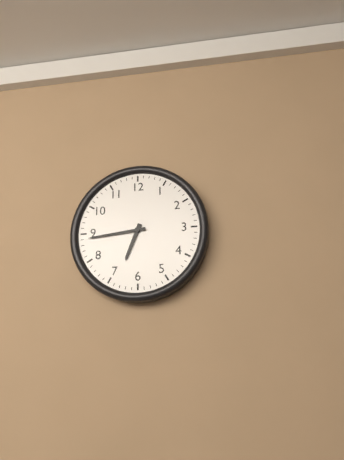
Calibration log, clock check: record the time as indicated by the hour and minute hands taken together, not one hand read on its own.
6:44
